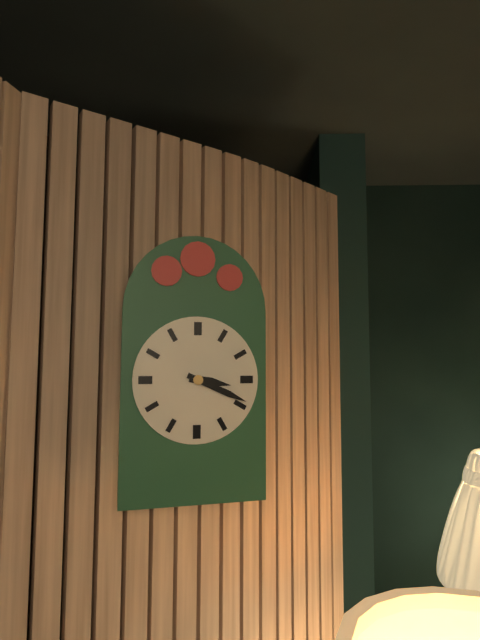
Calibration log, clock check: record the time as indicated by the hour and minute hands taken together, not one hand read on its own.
3:19
